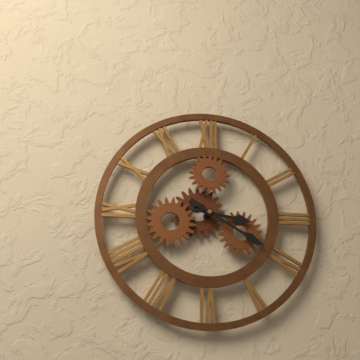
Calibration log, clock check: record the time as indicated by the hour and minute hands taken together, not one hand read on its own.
3:20
